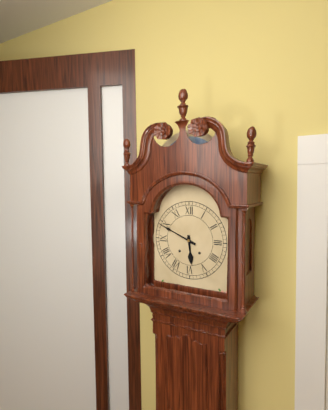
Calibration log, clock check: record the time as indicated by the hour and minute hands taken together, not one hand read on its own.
5:49
